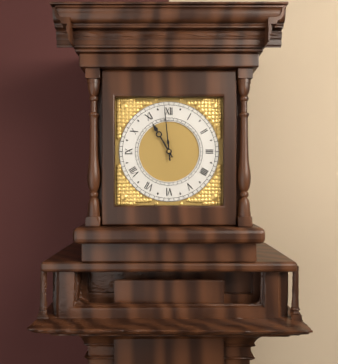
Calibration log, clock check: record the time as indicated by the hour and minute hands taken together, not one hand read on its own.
10:59
